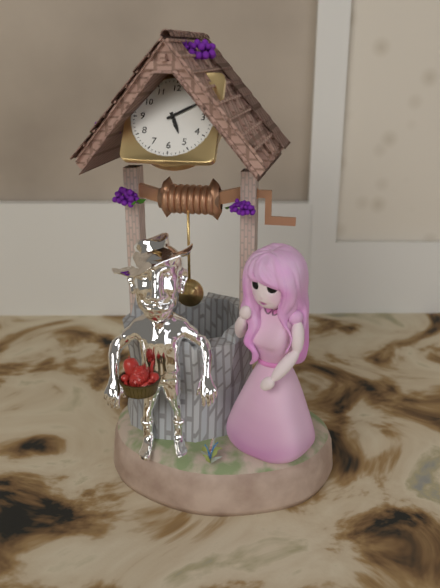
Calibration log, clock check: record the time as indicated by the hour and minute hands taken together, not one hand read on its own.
5:10
